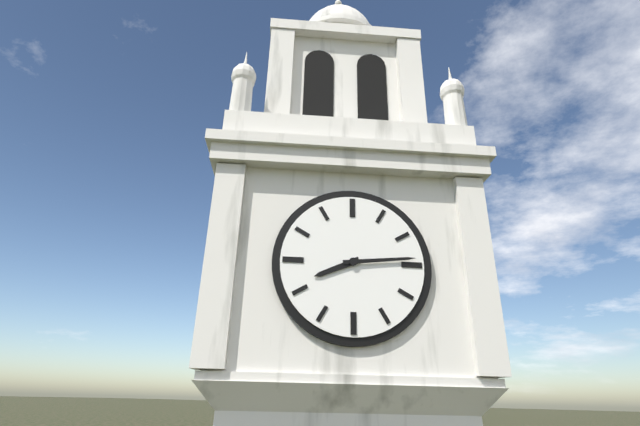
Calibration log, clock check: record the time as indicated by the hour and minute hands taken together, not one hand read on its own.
8:14
